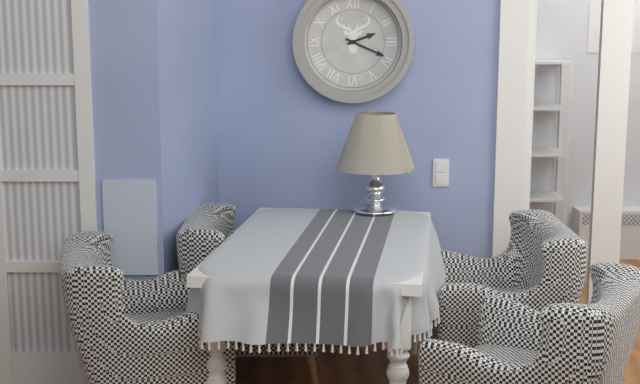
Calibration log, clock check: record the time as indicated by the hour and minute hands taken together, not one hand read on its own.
2:19
